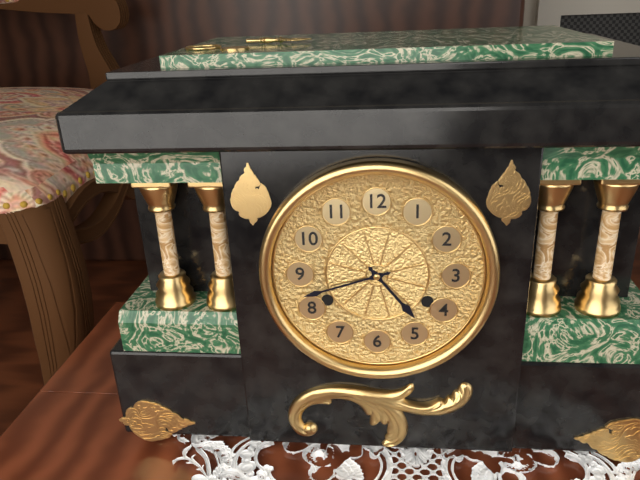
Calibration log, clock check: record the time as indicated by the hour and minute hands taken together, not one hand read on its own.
4:42
